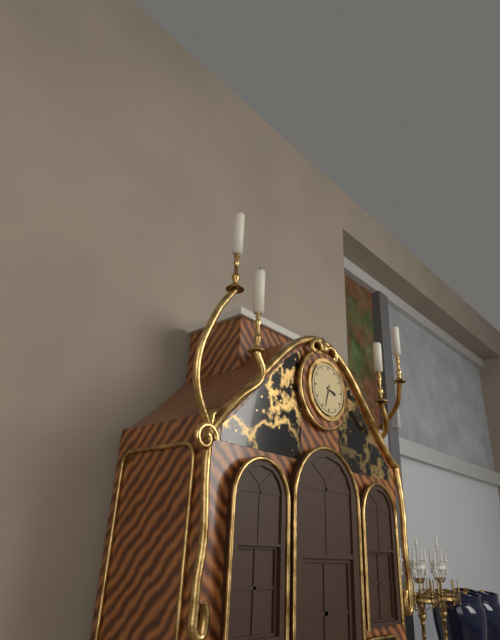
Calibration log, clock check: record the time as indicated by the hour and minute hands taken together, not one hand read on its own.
3:33
